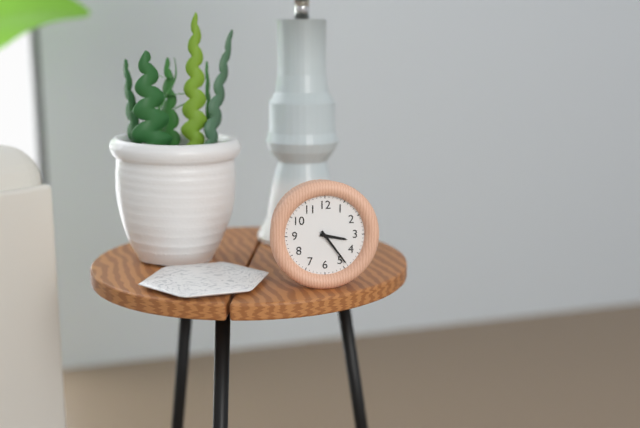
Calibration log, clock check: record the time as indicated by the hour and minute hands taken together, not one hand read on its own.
3:24
